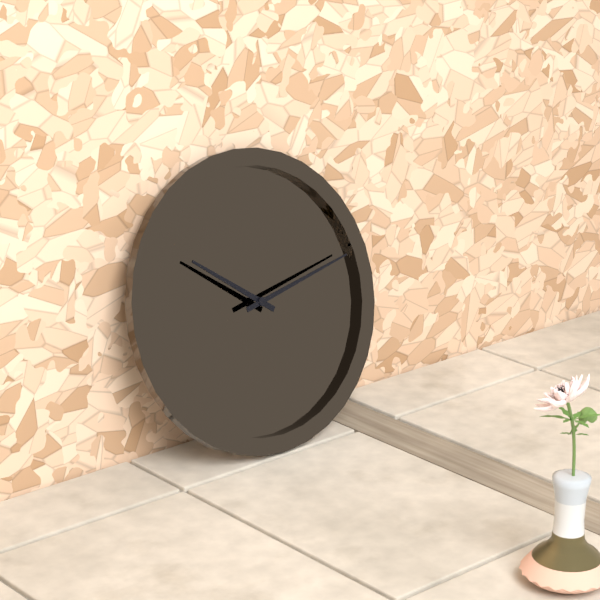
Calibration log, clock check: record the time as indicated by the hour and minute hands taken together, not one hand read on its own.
10:13
